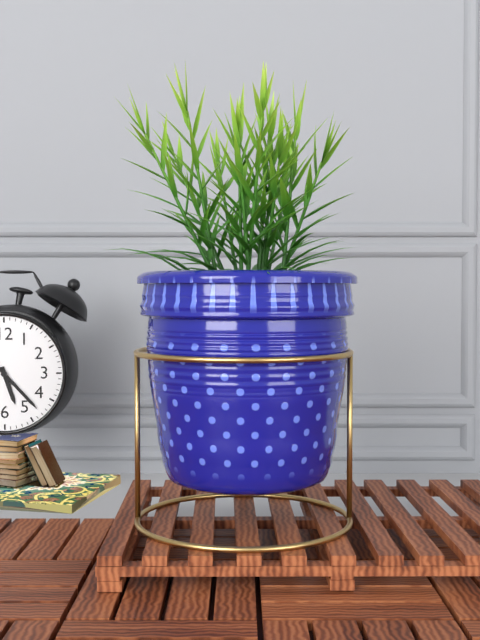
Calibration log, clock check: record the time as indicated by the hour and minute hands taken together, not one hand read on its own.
5:23
